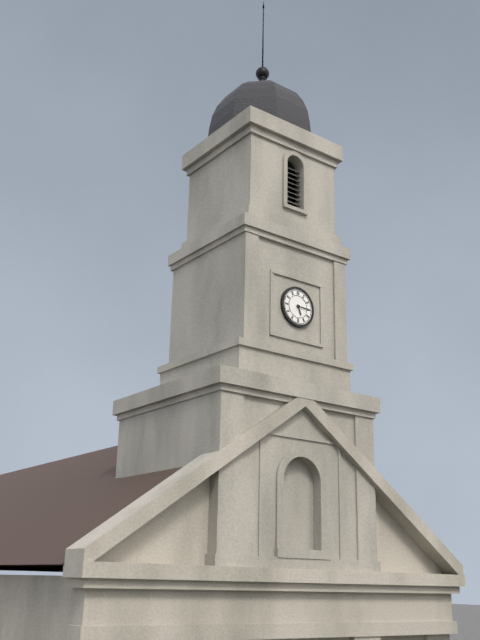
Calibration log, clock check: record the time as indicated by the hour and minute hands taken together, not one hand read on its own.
5:15
